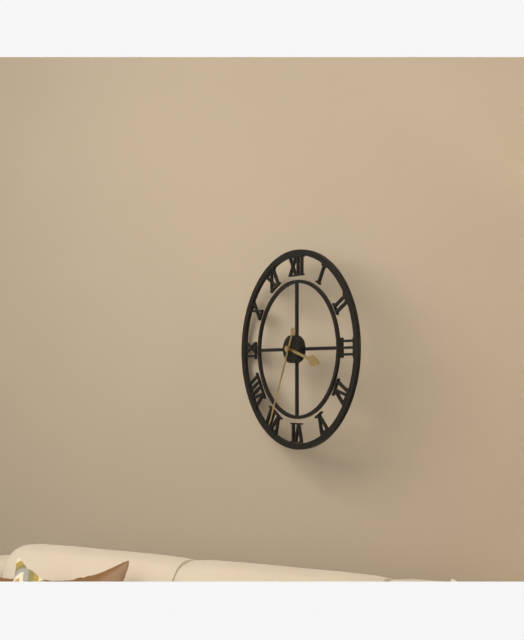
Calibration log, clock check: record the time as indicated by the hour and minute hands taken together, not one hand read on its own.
3:34
